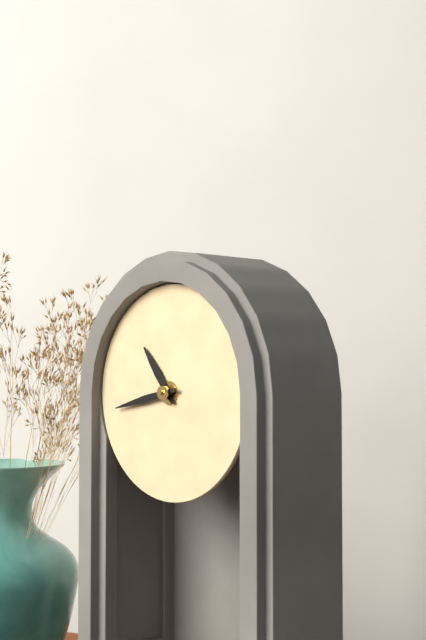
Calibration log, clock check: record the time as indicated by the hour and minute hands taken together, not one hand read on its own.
10:43
